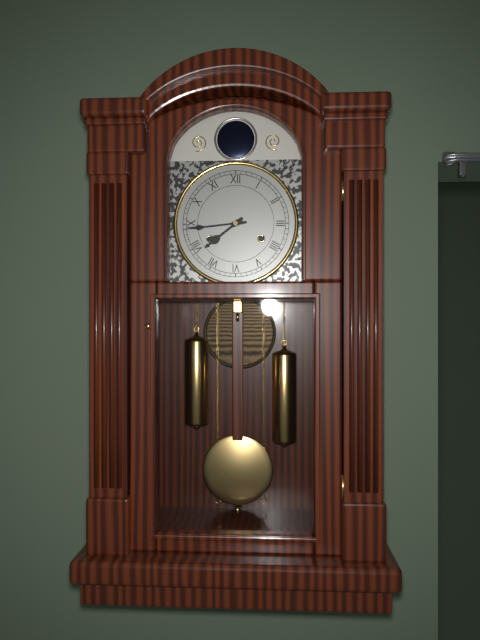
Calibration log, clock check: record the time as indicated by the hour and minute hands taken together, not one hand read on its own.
7:44
